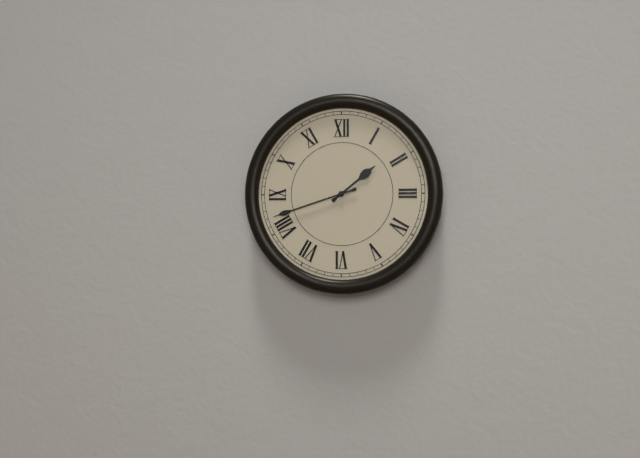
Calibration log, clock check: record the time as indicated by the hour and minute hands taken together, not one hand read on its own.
1:42
